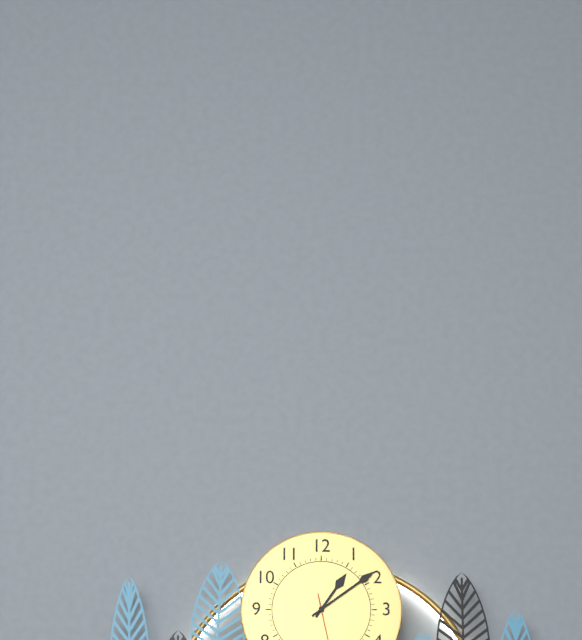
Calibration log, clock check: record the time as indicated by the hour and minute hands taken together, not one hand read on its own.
1:09
